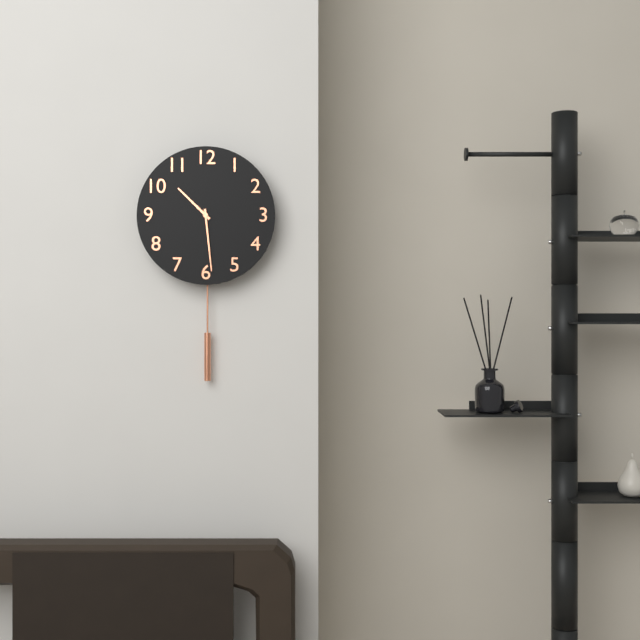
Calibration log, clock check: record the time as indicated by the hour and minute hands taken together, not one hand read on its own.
10:29
